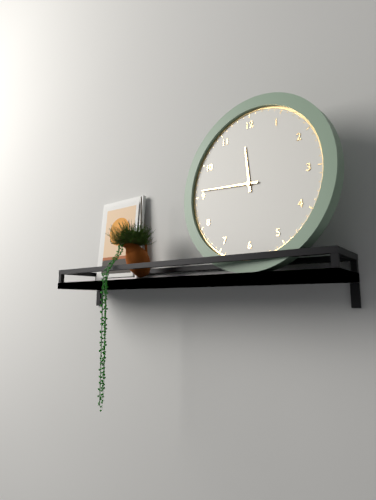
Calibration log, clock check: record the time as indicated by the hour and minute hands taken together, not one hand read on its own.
11:46
